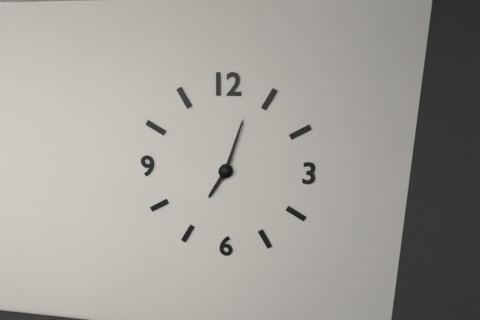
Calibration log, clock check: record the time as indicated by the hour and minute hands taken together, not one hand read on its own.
7:03
